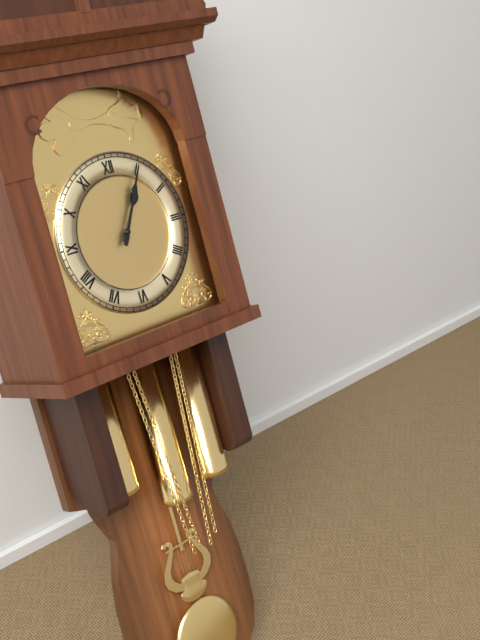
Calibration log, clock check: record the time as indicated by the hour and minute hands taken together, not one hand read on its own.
1:05
